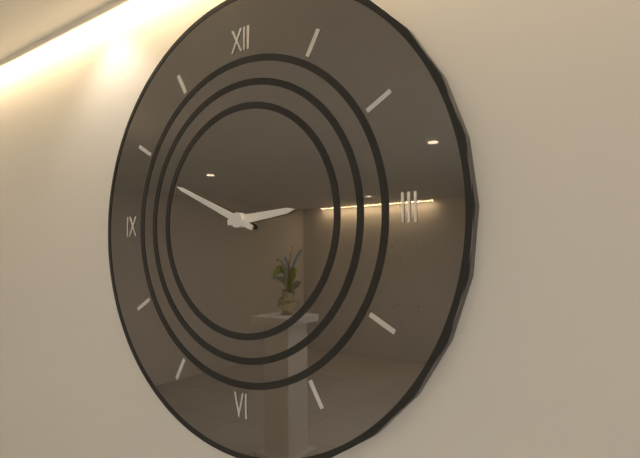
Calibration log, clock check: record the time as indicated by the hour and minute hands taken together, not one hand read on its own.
2:49
